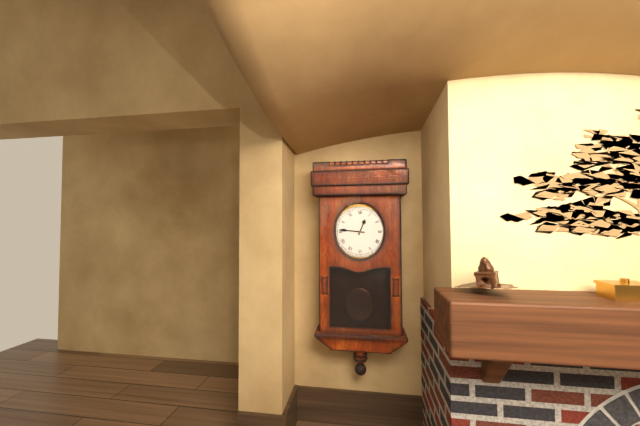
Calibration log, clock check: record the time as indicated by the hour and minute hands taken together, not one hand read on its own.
12:46
